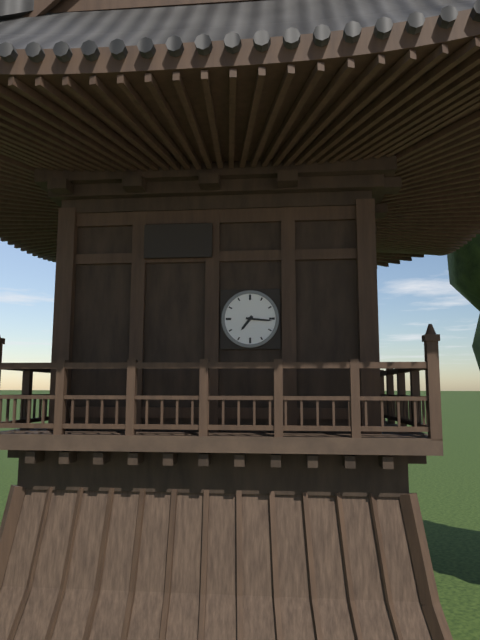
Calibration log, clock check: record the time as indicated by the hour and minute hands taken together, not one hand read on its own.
7:16
